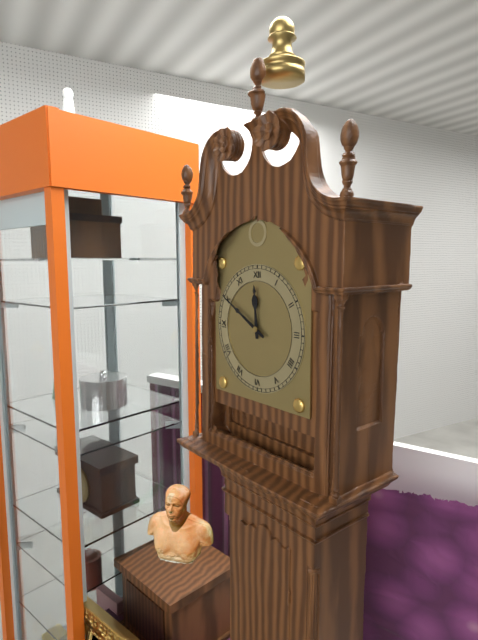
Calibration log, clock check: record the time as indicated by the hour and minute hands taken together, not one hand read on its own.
11:50
